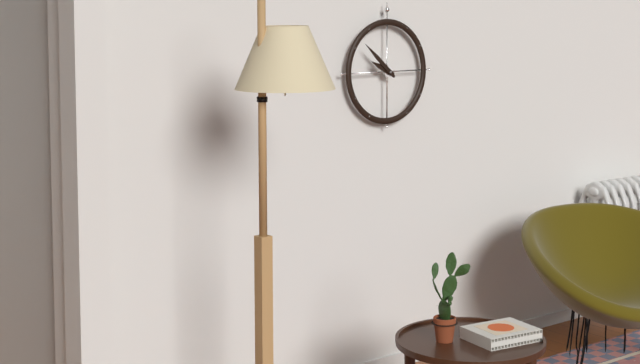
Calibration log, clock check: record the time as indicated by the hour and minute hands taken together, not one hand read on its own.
9:52
